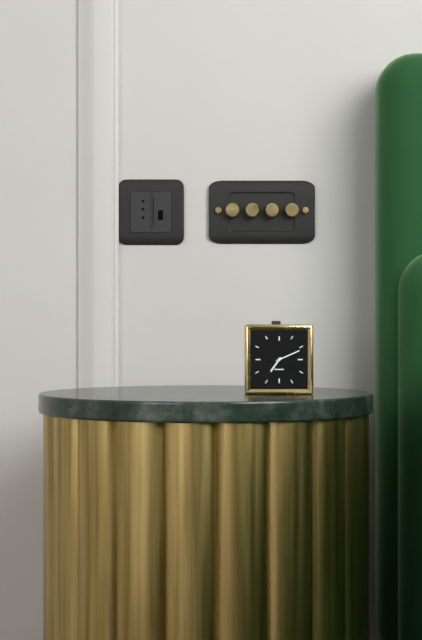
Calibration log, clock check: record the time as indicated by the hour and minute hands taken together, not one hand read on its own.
7:11
